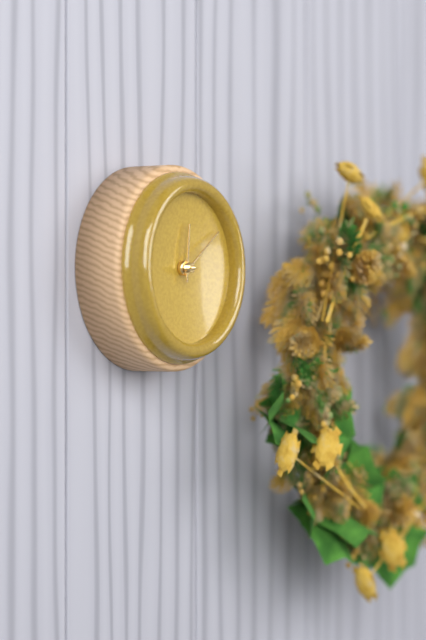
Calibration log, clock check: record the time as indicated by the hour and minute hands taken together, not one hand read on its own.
12:09
